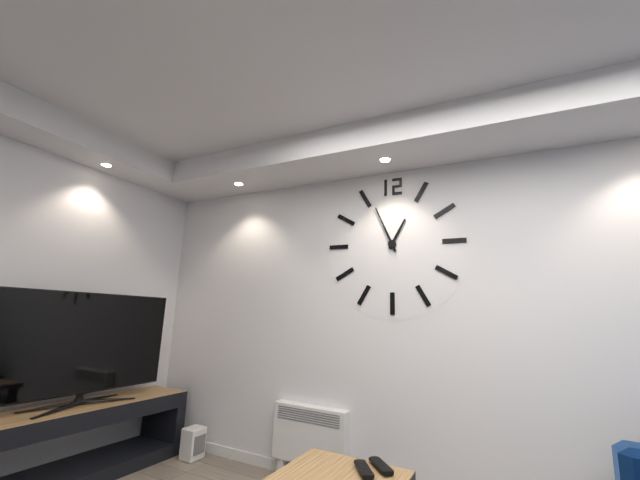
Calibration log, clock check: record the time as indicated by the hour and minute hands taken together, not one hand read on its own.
12:56
